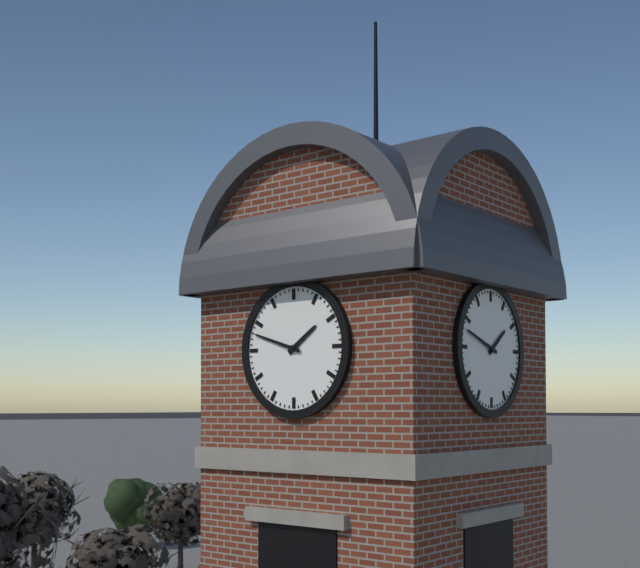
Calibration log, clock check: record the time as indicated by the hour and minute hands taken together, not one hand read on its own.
1:48
